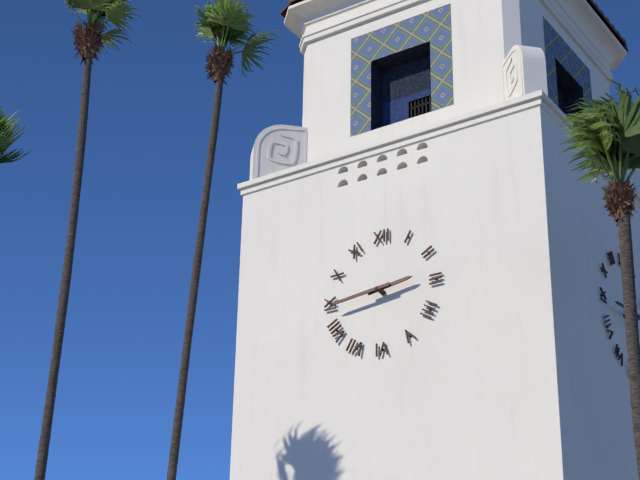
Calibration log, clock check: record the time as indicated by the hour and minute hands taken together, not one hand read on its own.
2:44
